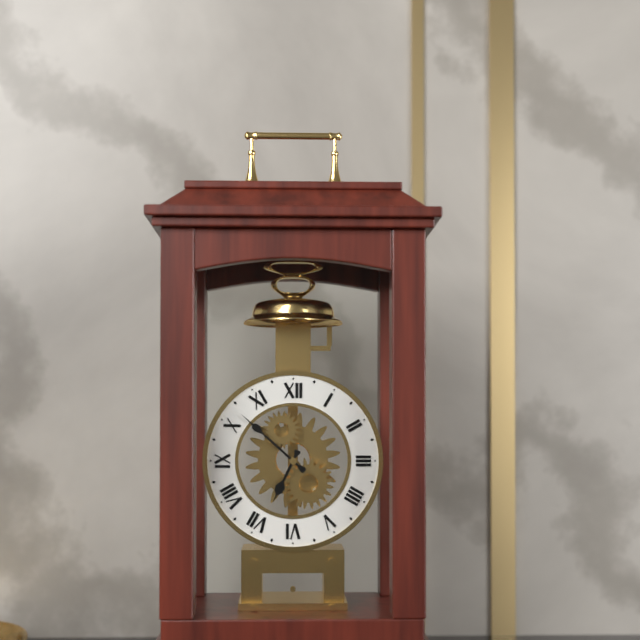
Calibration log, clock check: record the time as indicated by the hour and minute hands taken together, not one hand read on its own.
6:52
